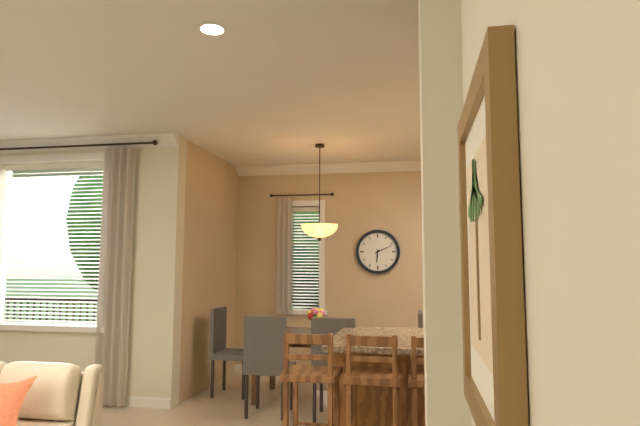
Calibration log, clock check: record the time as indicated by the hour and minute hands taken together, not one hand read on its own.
6:11
